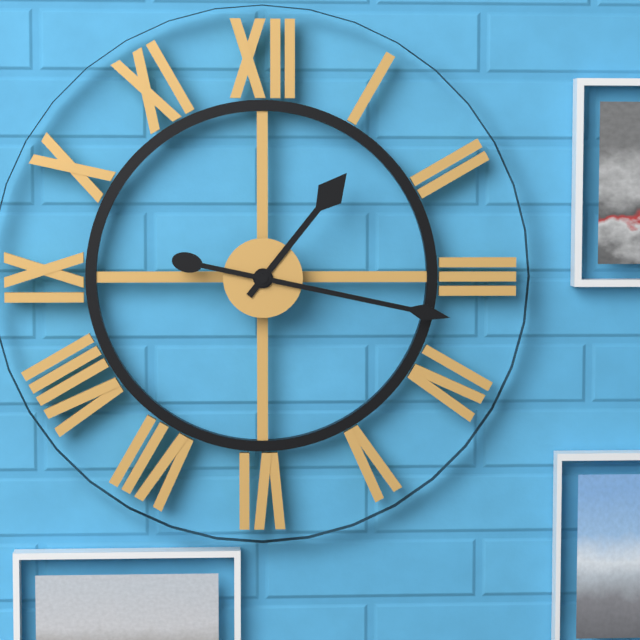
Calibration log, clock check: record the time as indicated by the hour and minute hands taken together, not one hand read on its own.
1:17
